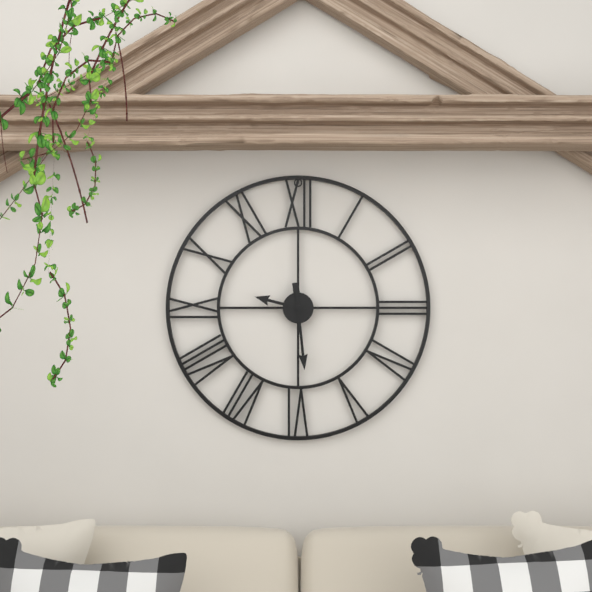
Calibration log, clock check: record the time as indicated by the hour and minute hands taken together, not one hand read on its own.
9:29
